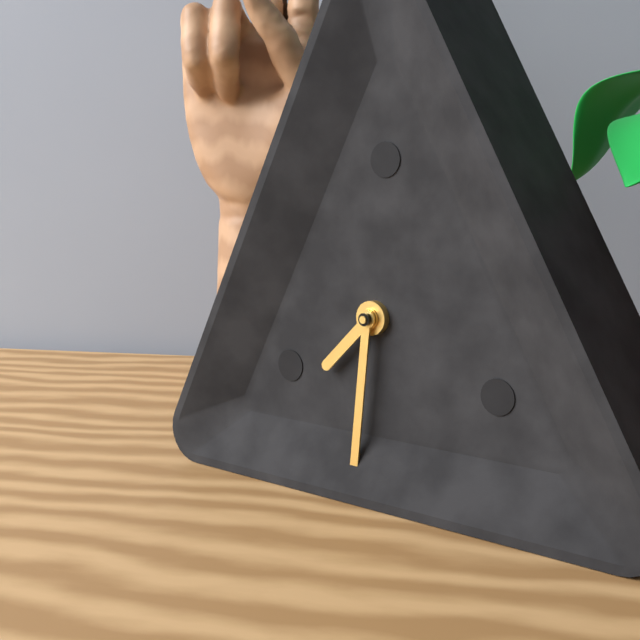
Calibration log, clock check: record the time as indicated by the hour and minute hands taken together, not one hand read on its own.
7:31
